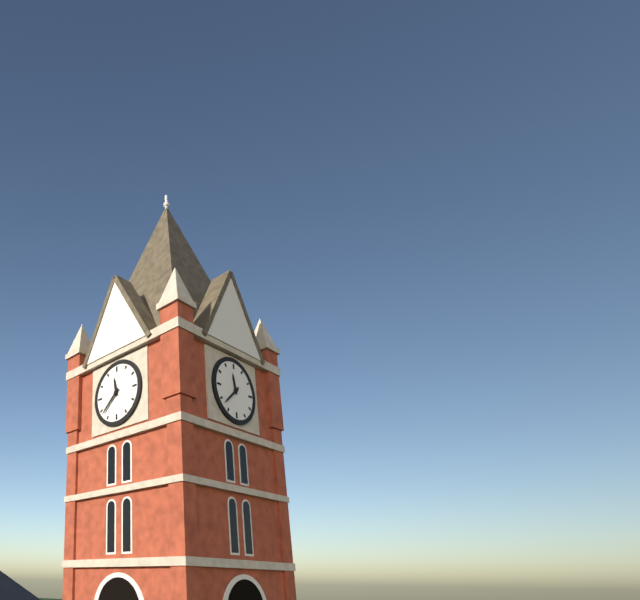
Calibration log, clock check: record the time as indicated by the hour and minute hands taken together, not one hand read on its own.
11:38
